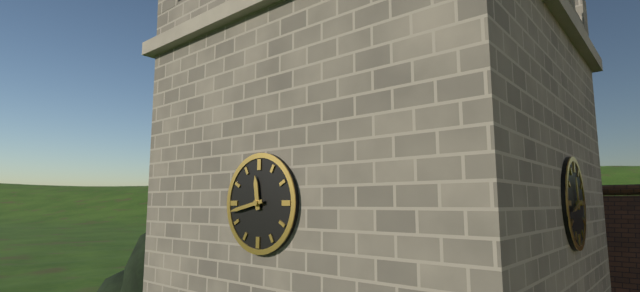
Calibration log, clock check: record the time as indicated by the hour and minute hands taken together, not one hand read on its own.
11:43
